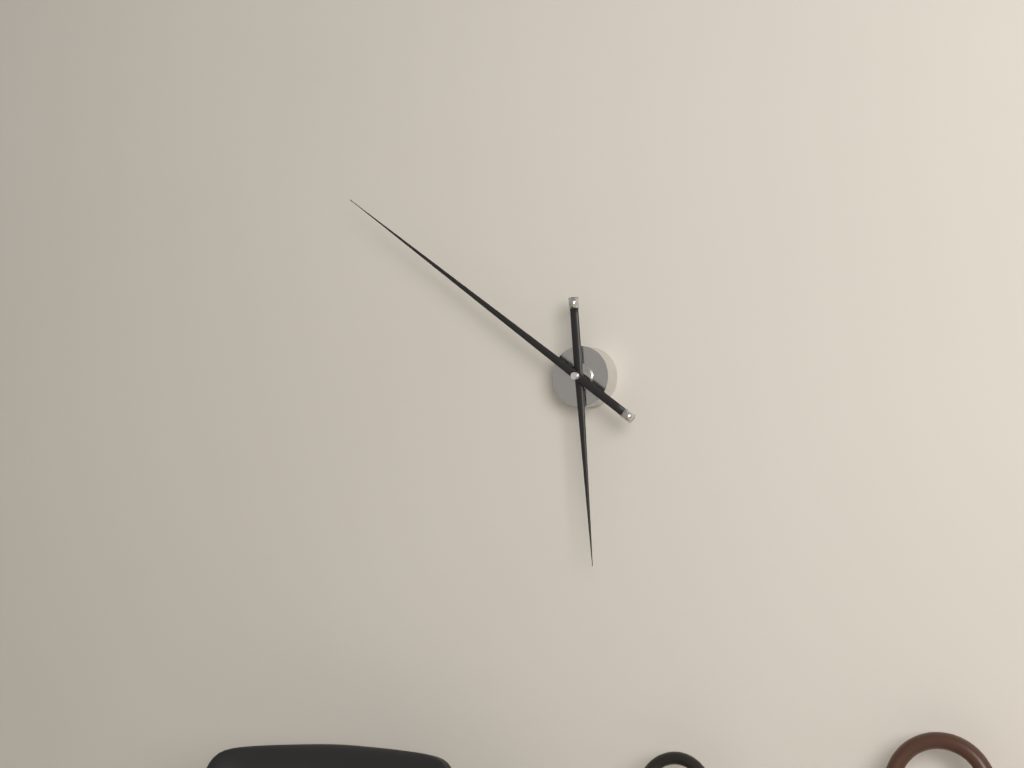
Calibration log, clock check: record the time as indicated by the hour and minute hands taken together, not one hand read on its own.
5:51
